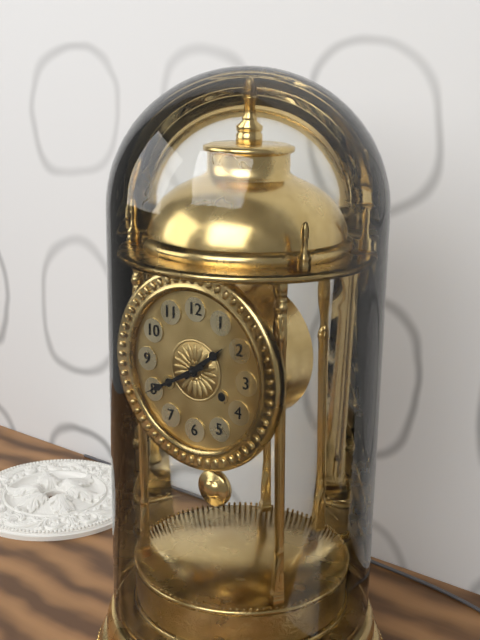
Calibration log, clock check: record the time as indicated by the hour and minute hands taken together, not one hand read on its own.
1:40
